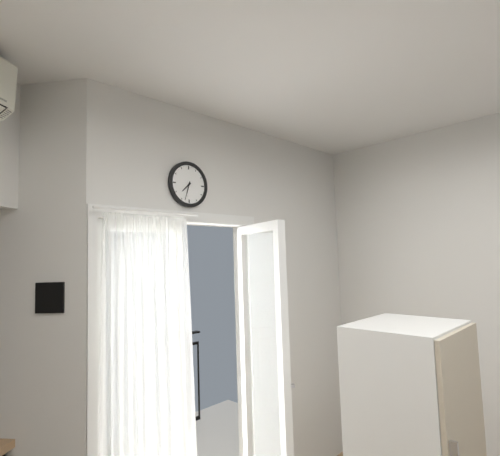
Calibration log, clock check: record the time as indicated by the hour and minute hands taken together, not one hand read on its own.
7:33
